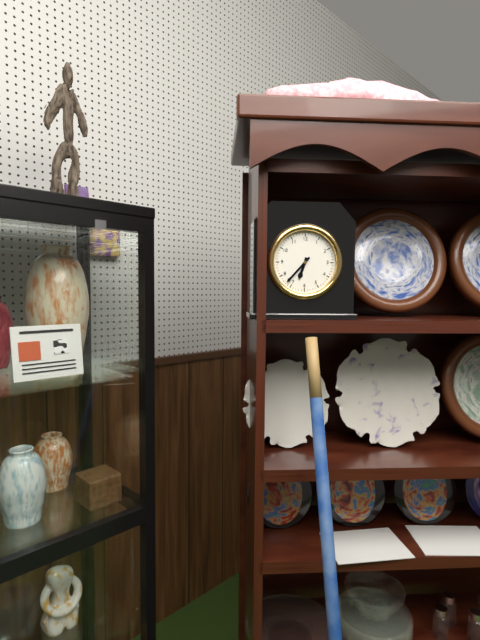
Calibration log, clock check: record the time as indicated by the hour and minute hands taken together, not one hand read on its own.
6:37
